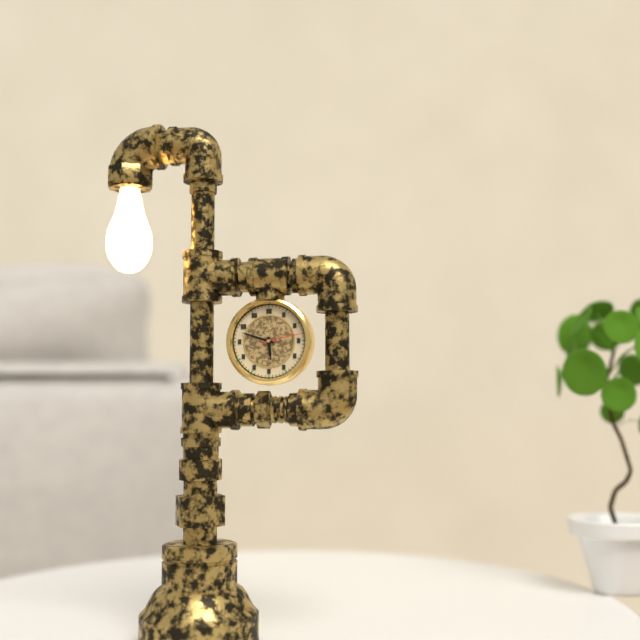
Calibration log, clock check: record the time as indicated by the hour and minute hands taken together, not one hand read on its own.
5:48
